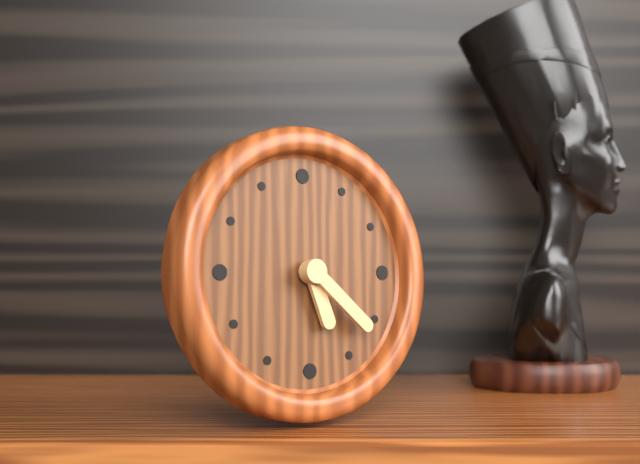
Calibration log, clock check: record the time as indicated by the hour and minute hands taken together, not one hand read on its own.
5:22
